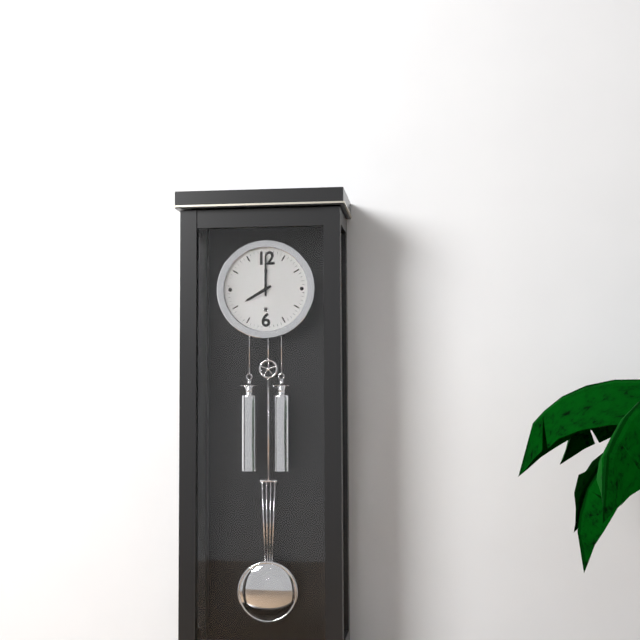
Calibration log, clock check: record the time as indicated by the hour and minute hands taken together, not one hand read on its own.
8:00
